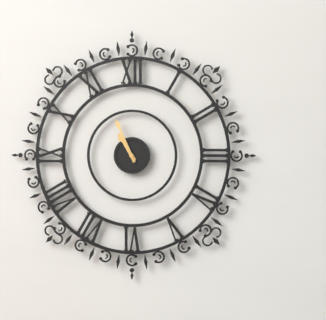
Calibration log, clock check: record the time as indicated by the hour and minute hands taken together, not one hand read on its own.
10:56
